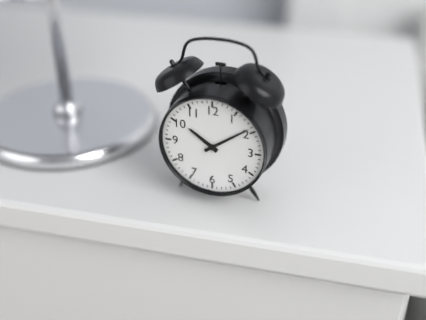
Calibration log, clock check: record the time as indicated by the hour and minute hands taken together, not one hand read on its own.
10:09
